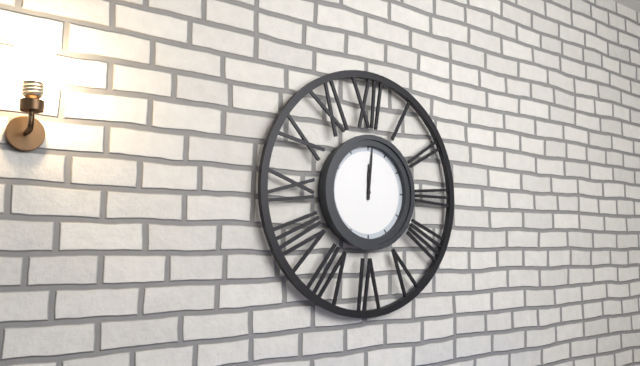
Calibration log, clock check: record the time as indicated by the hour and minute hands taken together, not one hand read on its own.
12:01
